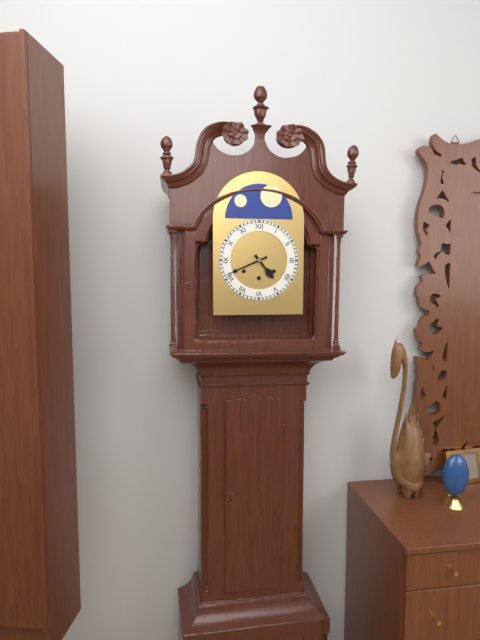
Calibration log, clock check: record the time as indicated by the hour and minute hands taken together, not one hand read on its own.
4:41
